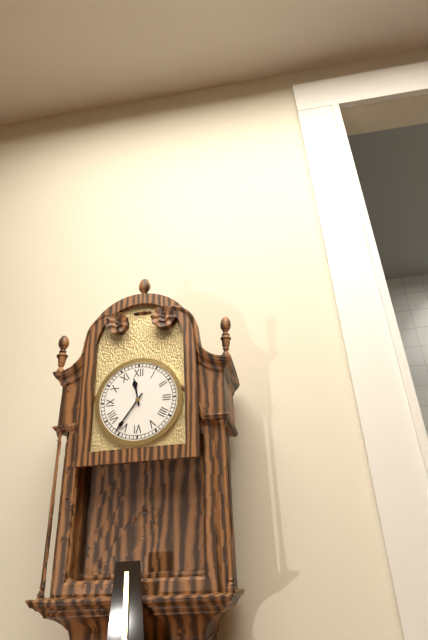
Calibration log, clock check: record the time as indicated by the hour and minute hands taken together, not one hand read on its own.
11:36
